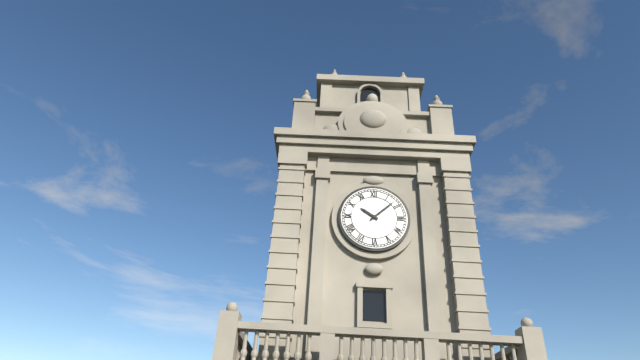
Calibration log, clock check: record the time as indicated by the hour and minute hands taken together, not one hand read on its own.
10:08
